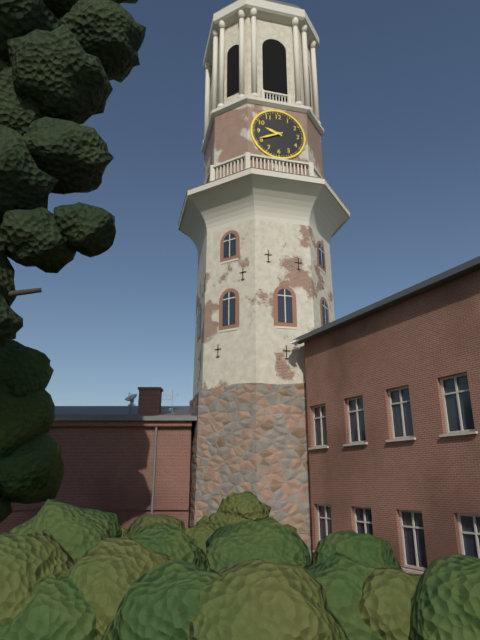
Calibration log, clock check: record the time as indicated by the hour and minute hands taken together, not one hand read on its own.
9:41
